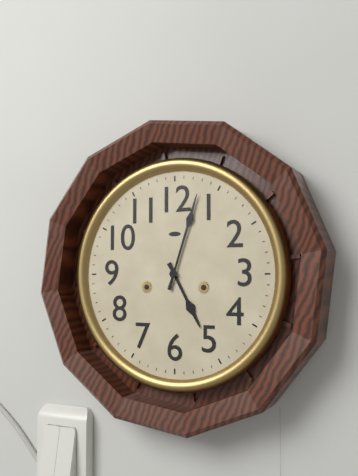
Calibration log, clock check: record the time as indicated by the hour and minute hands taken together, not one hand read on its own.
5:03
